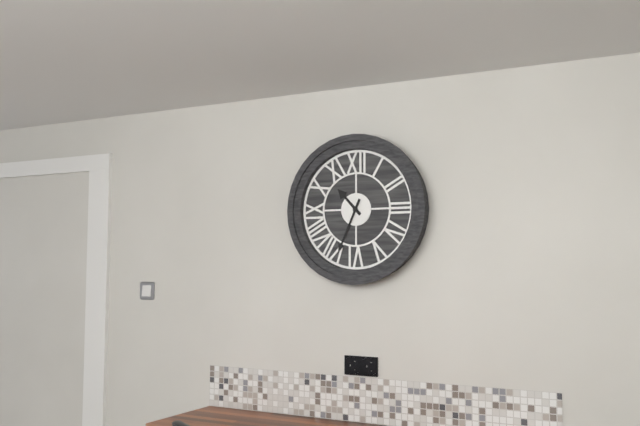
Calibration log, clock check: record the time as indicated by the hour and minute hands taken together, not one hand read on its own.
10:34
